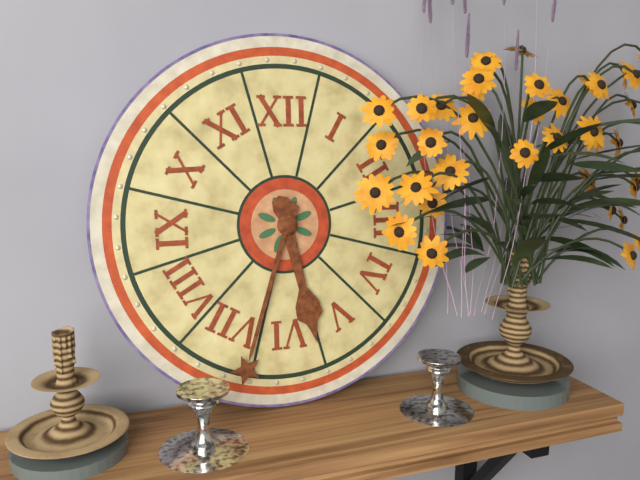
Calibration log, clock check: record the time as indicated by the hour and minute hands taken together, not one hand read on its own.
5:33
